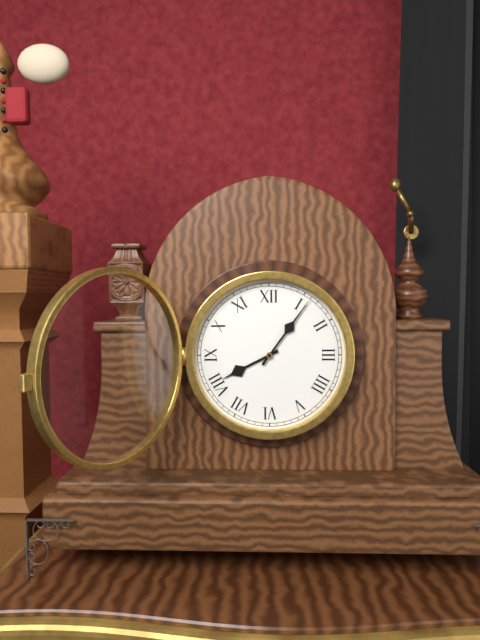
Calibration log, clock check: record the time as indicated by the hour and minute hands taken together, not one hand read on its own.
8:06
